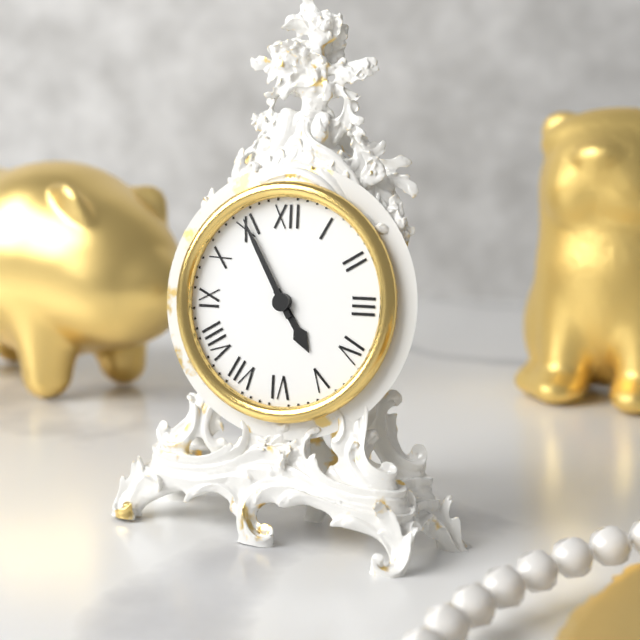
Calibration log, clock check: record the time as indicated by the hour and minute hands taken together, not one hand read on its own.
4:55
